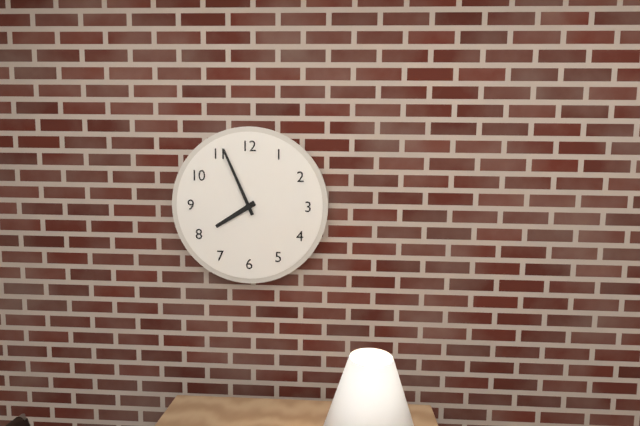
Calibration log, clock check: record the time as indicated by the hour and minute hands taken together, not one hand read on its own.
7:56
